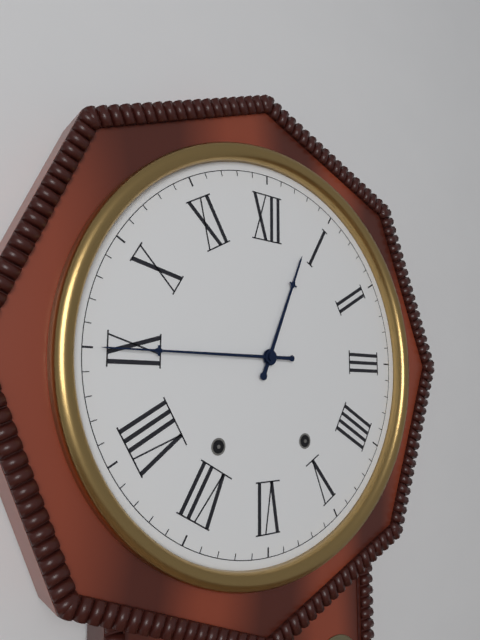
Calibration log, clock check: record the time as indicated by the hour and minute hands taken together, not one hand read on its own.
12:45
